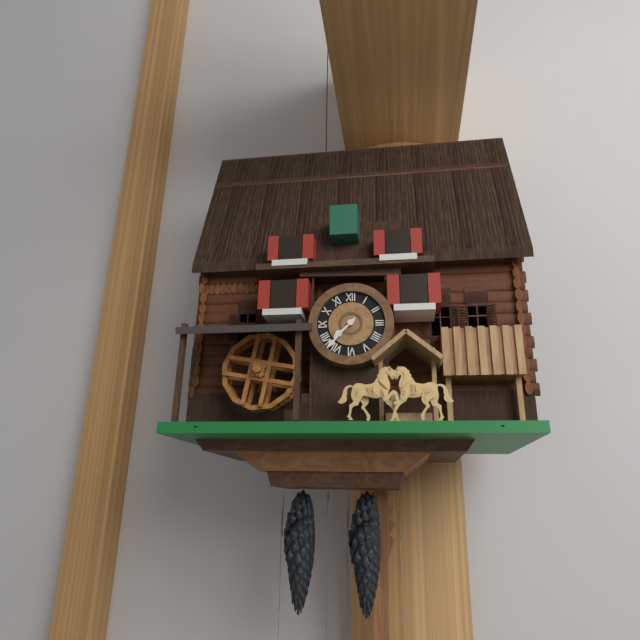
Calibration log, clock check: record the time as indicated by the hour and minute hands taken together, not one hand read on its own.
7:37
